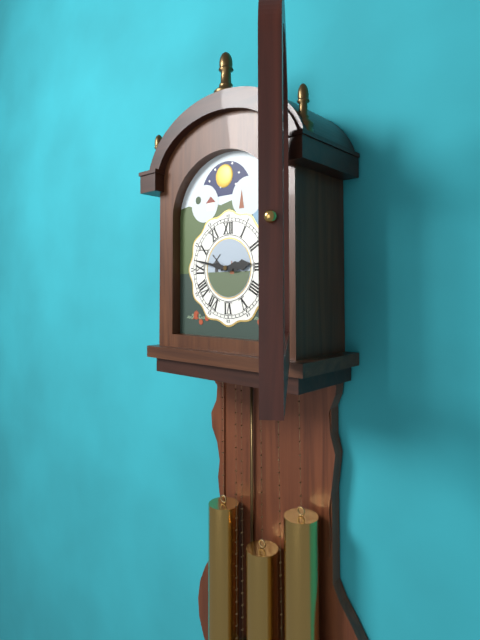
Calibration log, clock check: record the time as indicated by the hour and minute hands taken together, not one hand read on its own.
2:47
